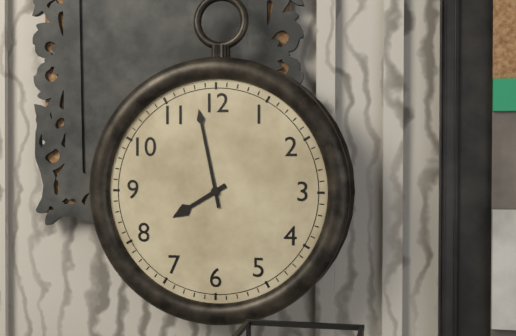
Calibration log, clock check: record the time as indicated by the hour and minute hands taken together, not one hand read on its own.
7:58
